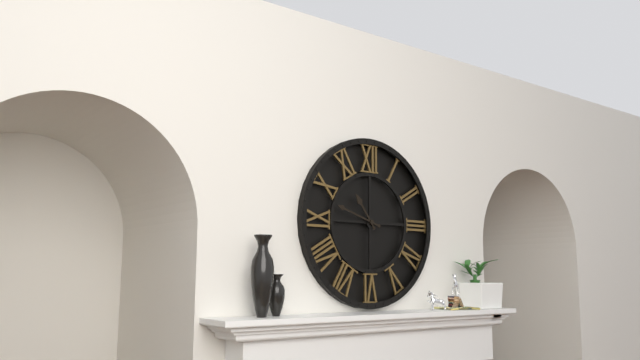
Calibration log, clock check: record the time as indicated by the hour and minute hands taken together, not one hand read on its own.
10:48
